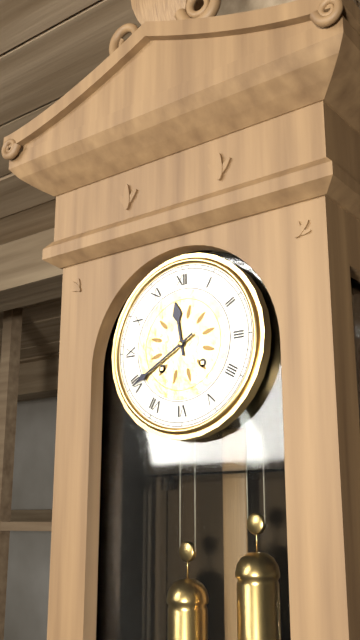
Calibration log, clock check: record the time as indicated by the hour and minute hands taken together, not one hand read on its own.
11:40
